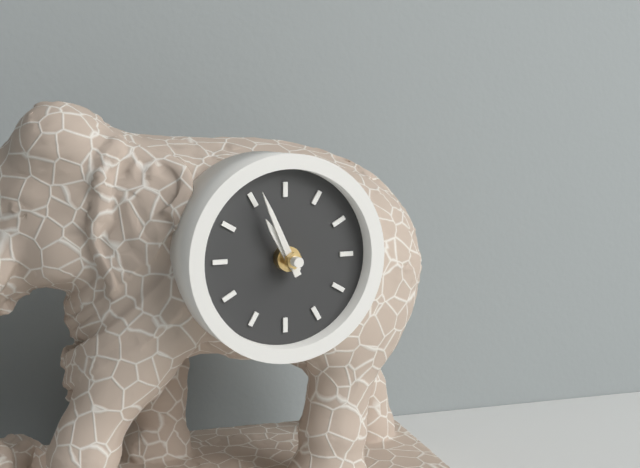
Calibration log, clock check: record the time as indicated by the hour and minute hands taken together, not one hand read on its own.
10:56
